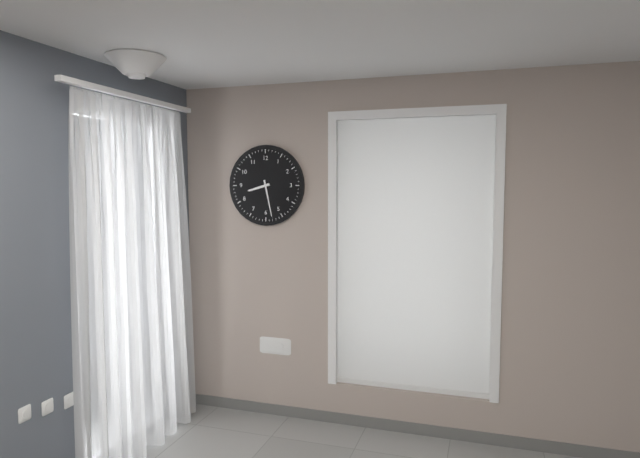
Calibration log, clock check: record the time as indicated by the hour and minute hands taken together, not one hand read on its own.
8:28
